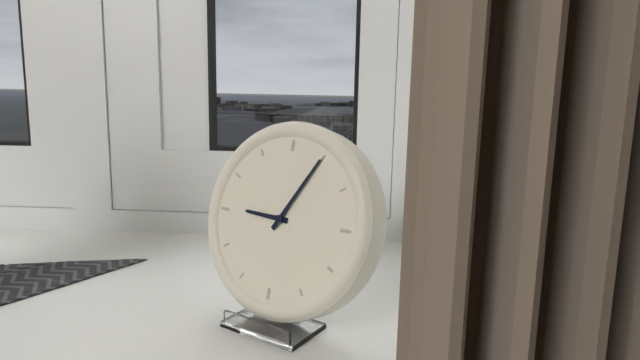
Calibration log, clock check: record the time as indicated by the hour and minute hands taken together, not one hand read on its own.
9:05
